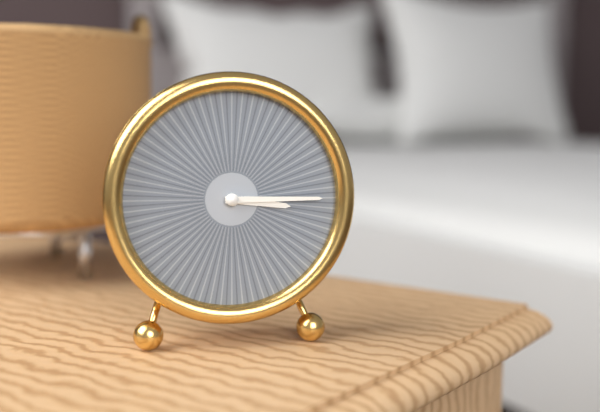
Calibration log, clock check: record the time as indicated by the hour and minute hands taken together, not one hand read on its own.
3:15
